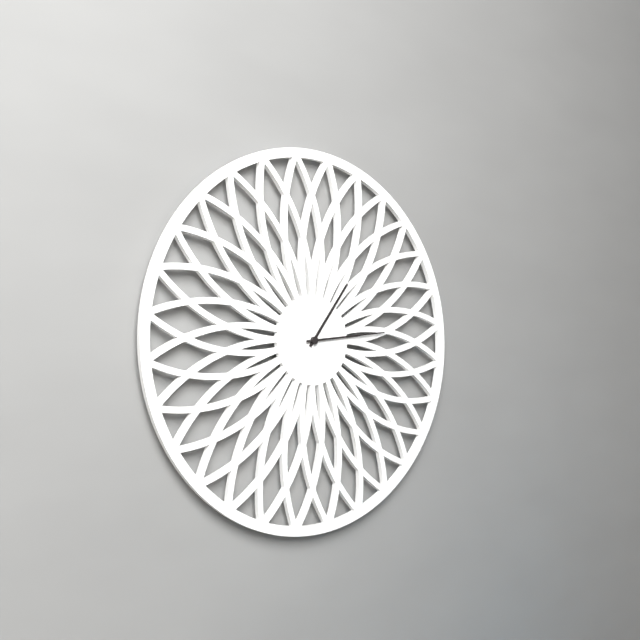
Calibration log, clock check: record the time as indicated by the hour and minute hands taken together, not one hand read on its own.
1:14
